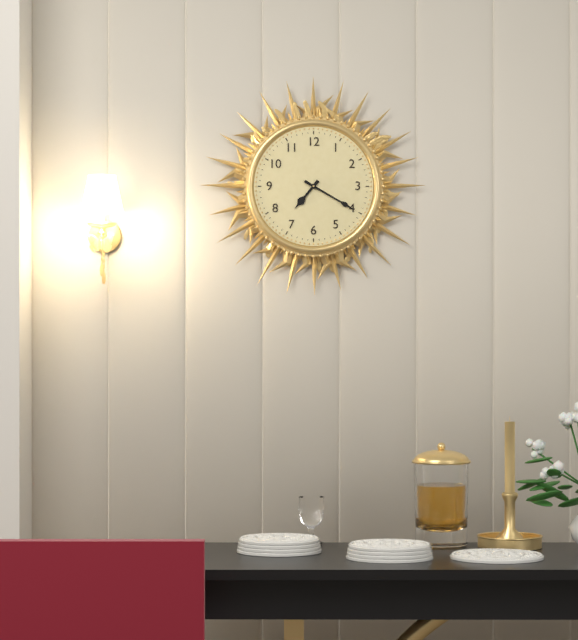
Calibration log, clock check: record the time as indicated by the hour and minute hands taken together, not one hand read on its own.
7:20
